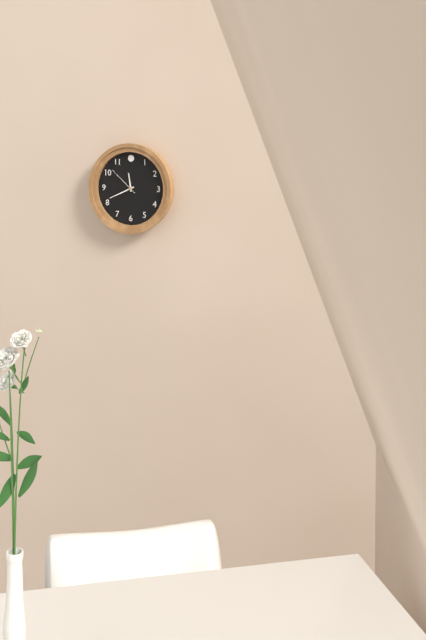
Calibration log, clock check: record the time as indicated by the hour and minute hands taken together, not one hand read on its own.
11:41
